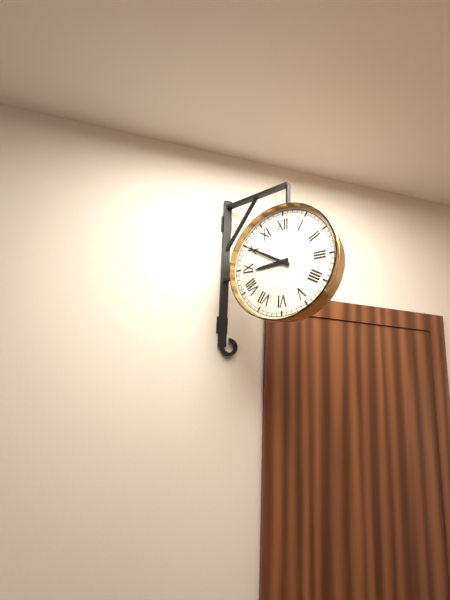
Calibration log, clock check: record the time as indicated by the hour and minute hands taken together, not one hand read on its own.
8:50
